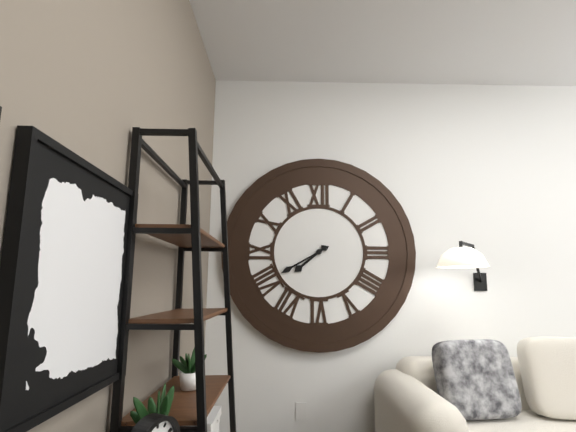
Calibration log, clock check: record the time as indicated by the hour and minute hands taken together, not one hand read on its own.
7:40
